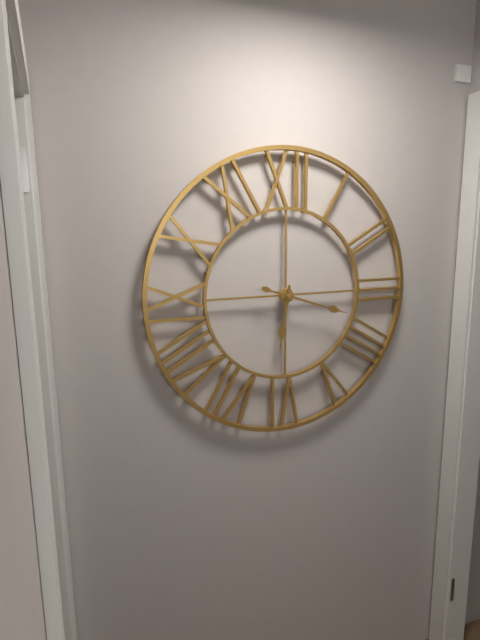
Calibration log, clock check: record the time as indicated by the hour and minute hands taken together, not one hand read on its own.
6:18
